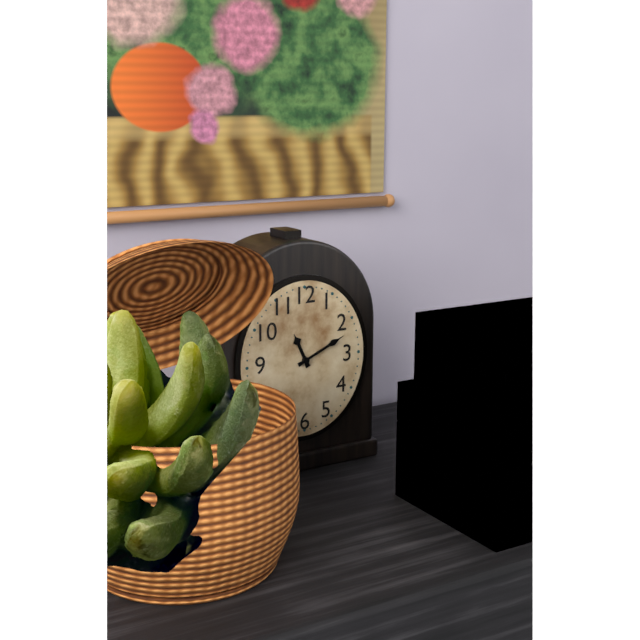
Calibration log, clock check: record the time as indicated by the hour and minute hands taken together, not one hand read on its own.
11:11
